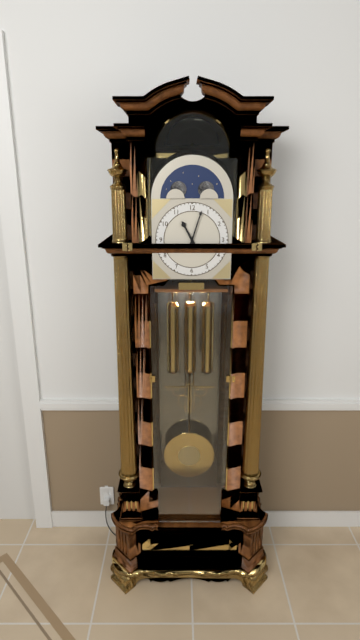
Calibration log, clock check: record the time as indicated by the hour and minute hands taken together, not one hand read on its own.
11:03
